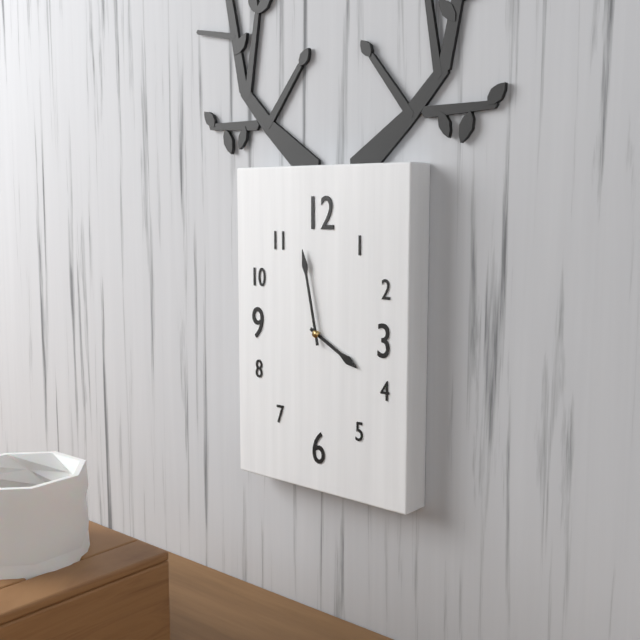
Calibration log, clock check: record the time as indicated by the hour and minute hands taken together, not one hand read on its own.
3:58
